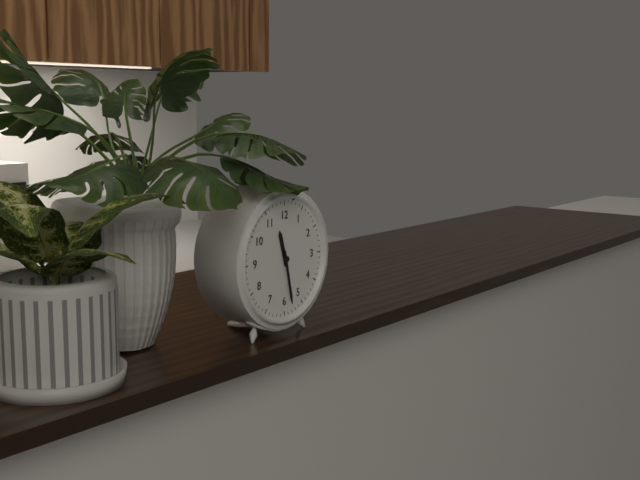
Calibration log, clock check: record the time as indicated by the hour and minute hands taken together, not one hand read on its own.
11:28
